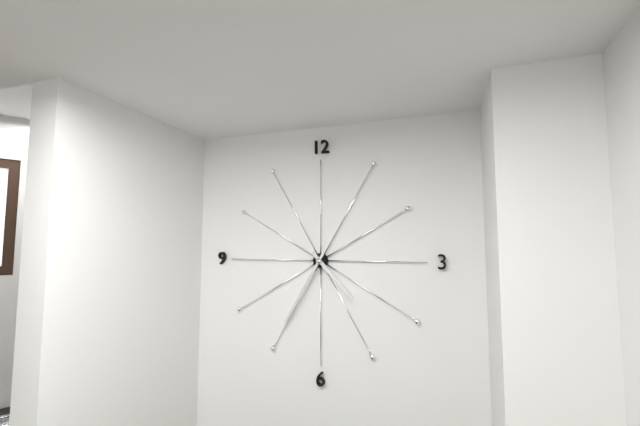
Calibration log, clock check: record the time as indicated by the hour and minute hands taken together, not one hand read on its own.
4:35
